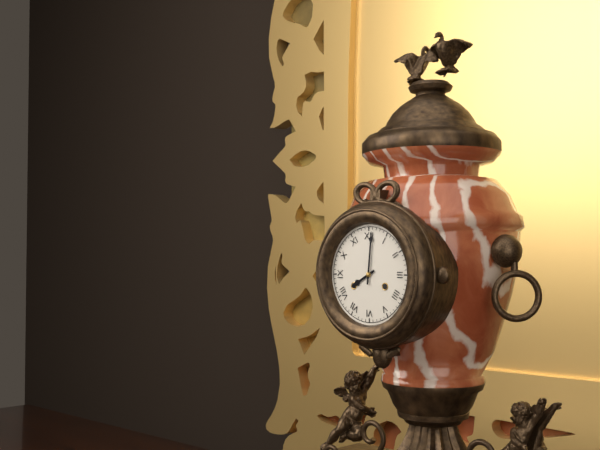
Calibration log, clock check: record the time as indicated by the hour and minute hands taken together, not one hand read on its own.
8:01
